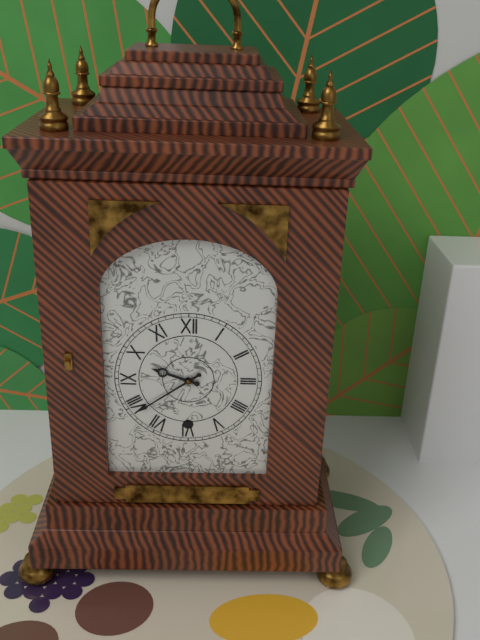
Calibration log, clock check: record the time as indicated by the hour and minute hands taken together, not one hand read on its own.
9:39
